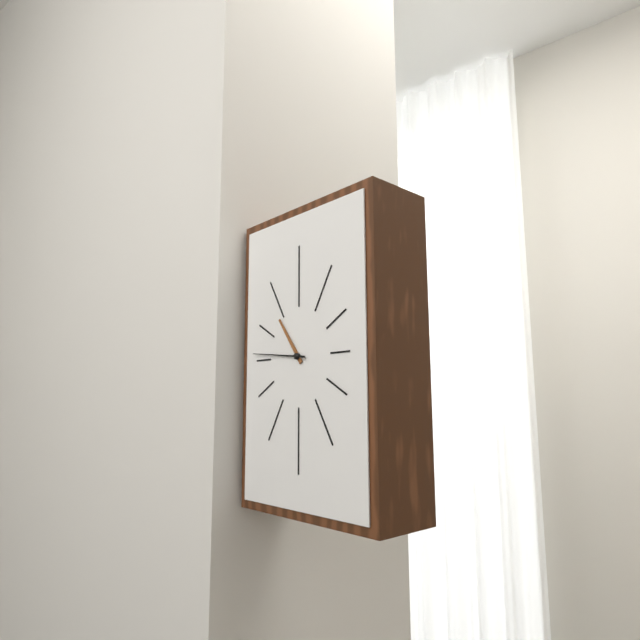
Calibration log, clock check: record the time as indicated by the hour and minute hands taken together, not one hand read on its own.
10:46
